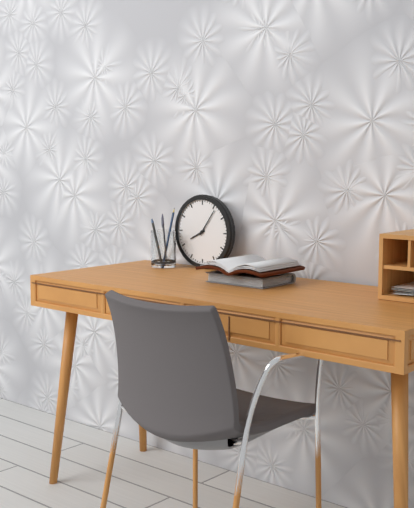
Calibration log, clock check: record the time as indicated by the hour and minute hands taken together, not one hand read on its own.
8:06
